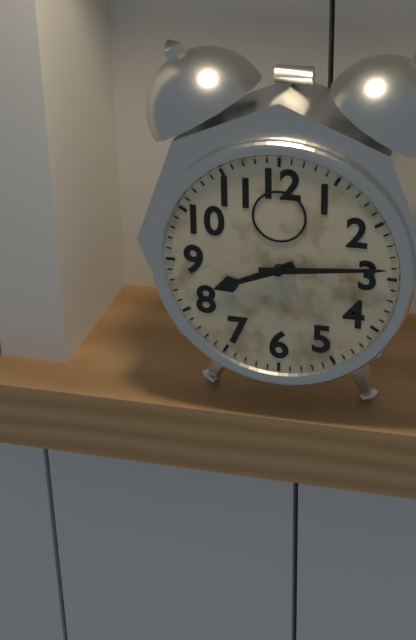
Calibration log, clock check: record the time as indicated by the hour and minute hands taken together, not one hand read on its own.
8:14
